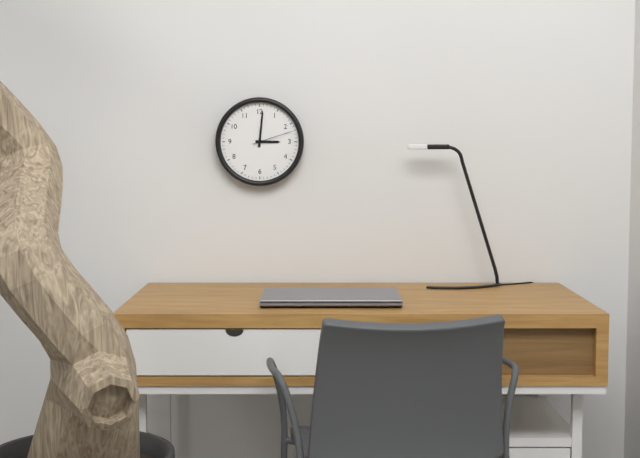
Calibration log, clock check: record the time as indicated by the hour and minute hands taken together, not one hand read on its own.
3:01
